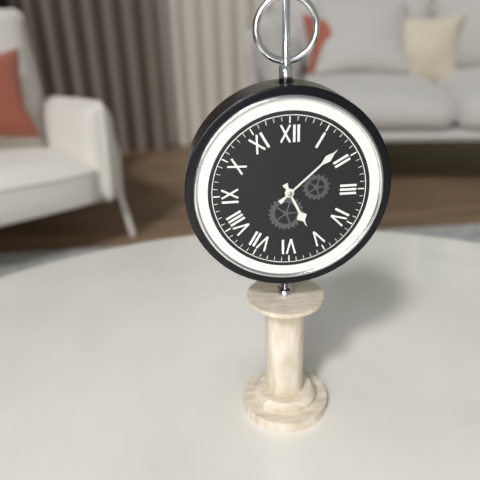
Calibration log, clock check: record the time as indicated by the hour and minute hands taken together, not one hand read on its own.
5:08
